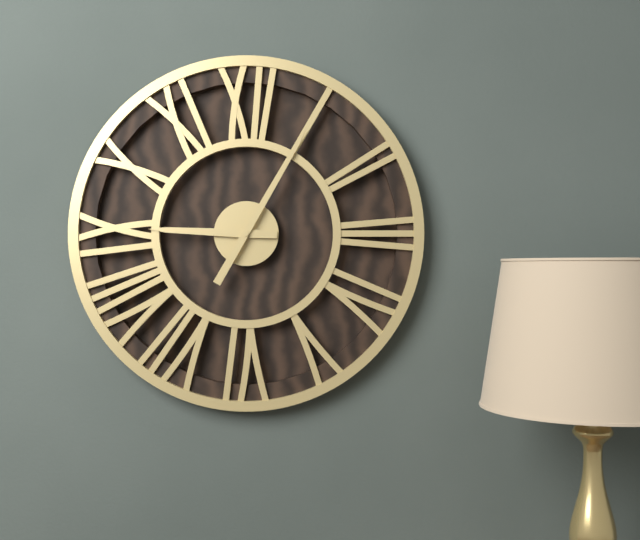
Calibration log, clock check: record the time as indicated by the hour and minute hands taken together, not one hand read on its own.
9:05
